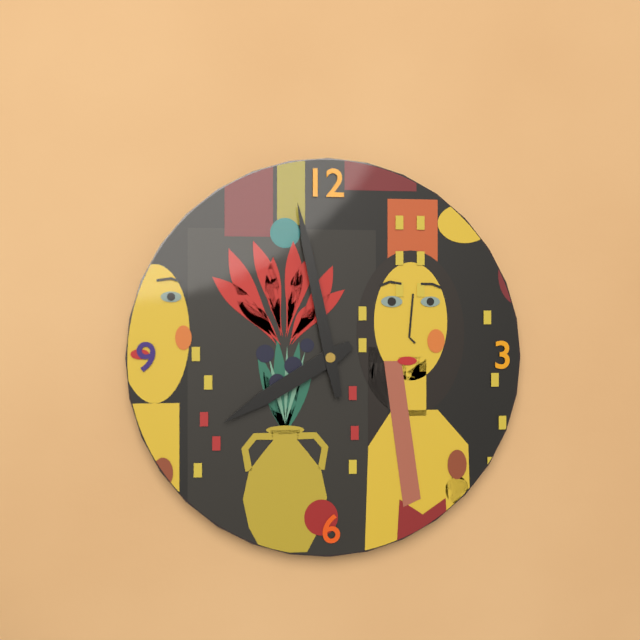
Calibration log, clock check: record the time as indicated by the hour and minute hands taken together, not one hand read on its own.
7:58
